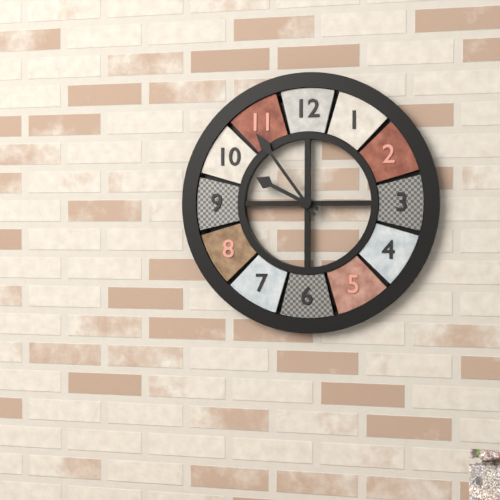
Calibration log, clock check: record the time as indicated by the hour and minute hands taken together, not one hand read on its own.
9:54
